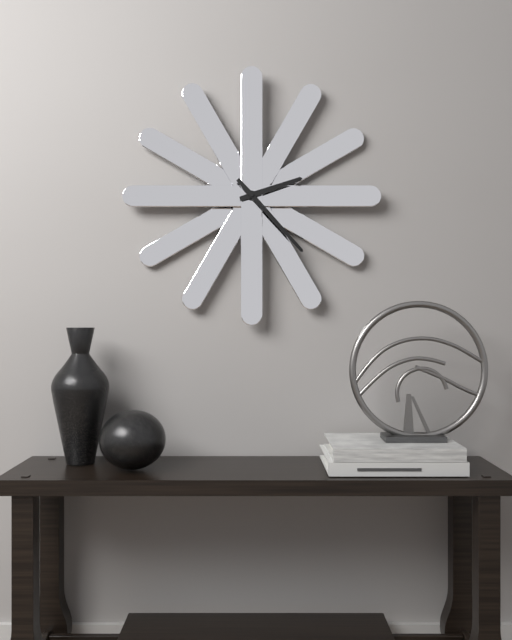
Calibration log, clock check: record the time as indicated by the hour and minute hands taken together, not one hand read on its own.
2:23
